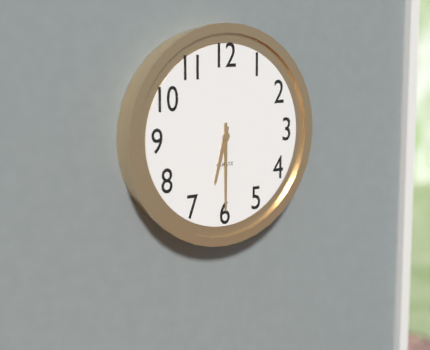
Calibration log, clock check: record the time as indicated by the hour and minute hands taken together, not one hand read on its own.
6:30
